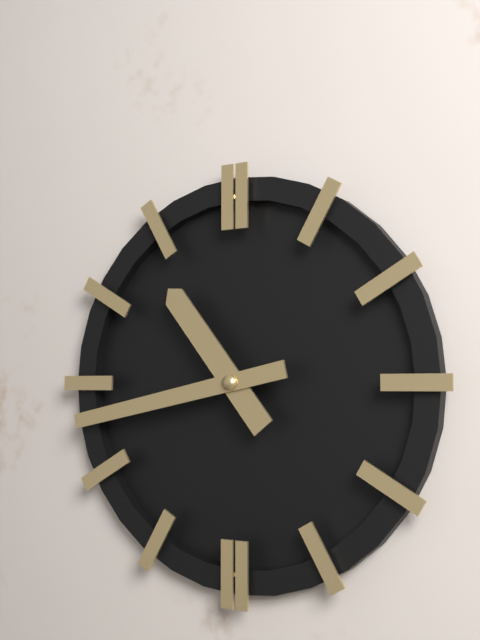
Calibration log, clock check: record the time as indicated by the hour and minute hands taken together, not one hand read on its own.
10:43
